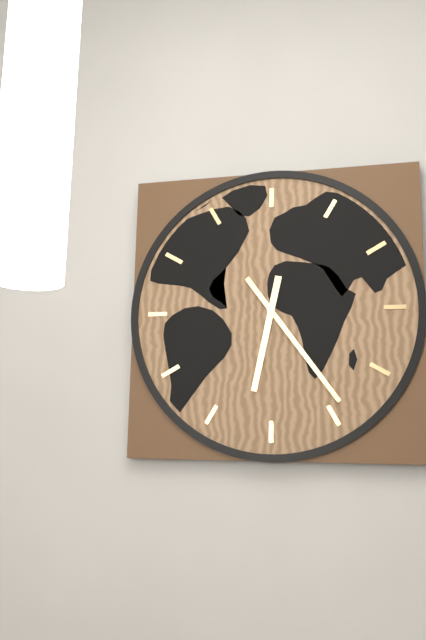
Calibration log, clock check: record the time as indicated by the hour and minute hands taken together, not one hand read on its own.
6:24
